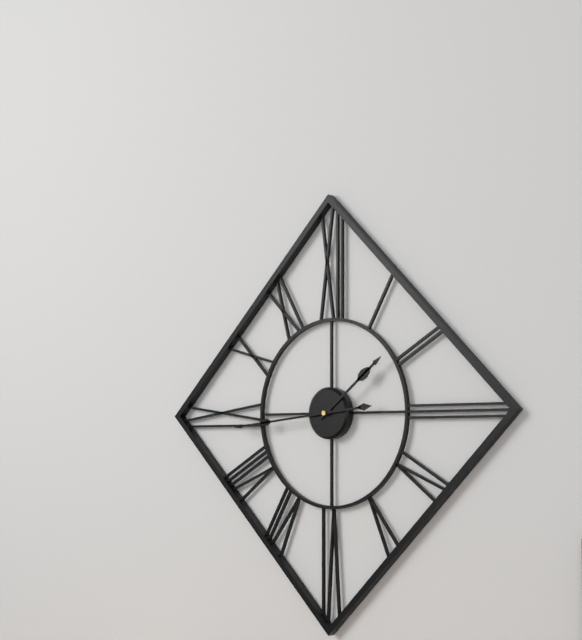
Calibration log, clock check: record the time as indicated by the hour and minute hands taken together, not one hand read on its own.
1:44
